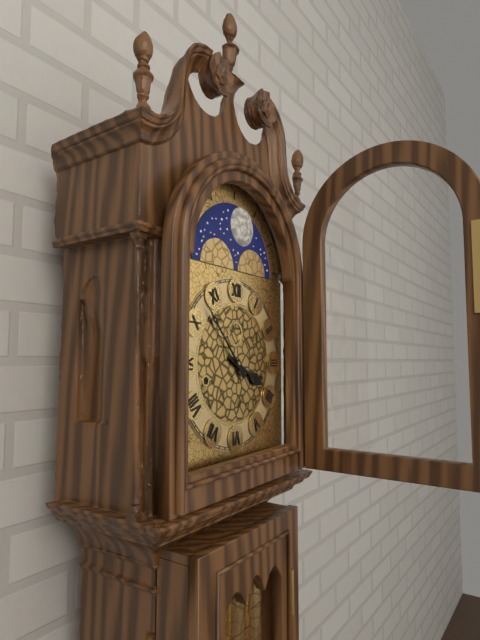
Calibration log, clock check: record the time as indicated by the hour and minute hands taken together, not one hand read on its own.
3:53
